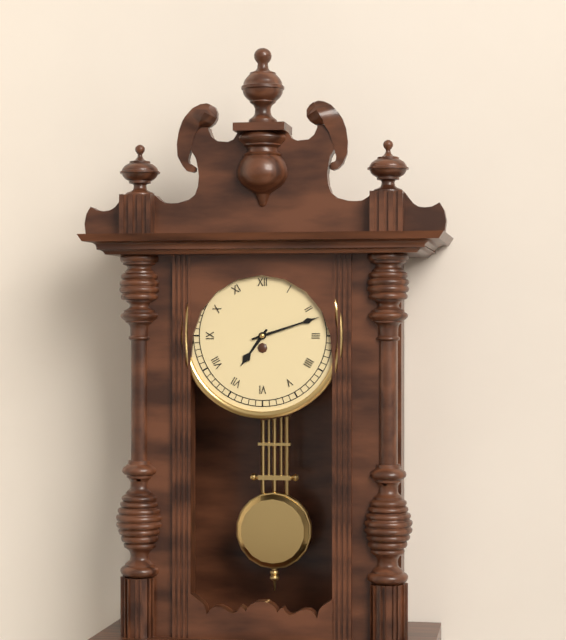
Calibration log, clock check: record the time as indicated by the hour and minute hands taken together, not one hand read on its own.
7:12
